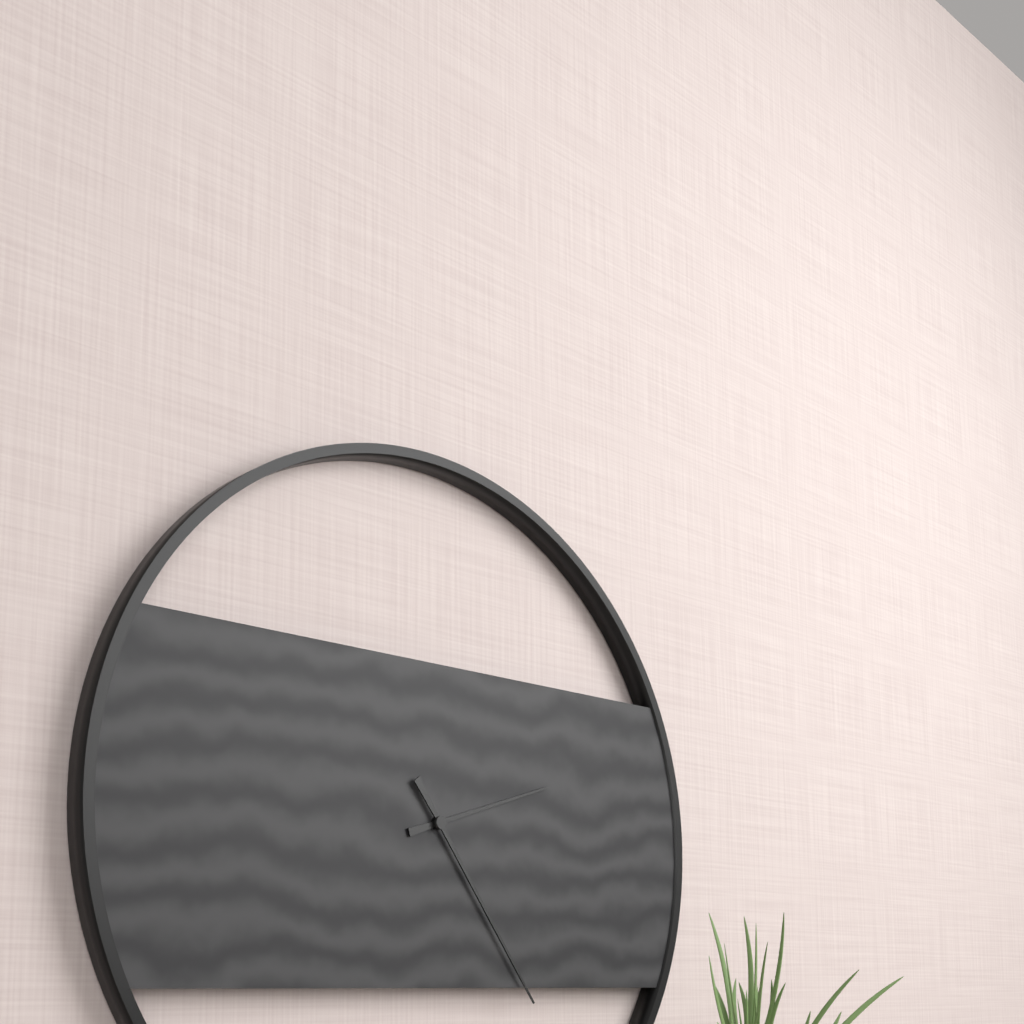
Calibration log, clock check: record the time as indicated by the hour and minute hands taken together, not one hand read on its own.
2:24
